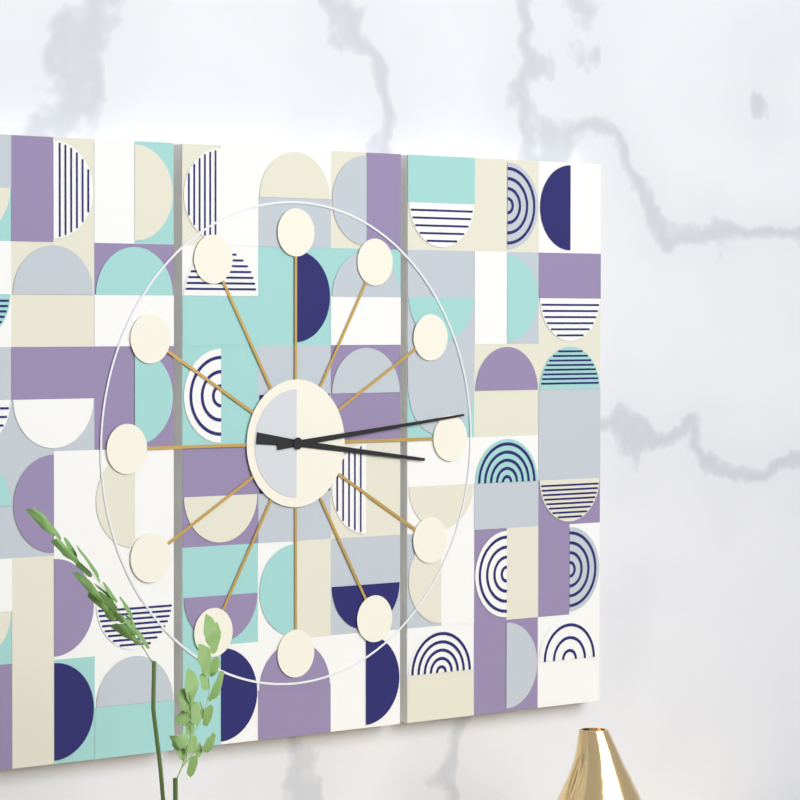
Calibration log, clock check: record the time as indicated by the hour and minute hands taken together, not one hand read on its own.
3:14
